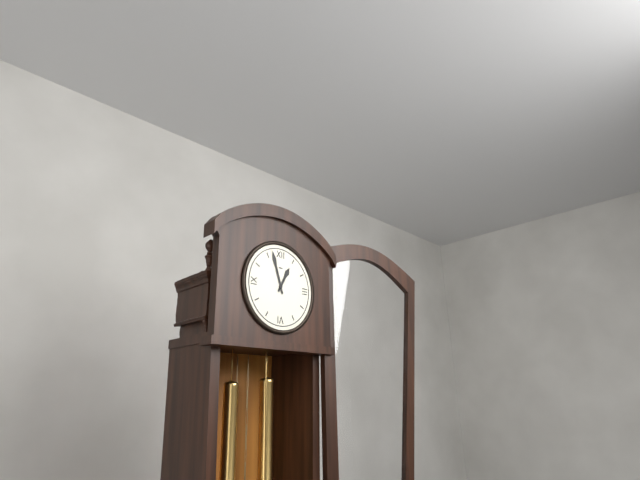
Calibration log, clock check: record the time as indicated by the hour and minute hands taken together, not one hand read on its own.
12:57
